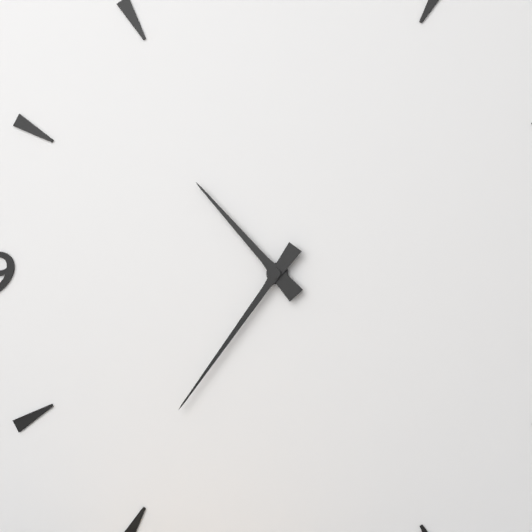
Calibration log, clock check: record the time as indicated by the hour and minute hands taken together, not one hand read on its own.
10:36
